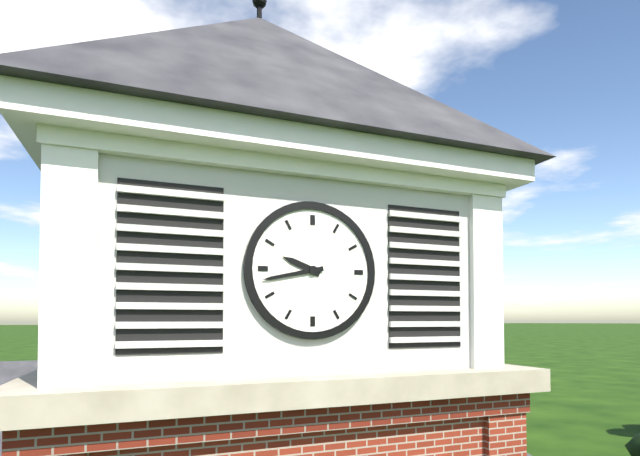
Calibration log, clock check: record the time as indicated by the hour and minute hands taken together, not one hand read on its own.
9:43
